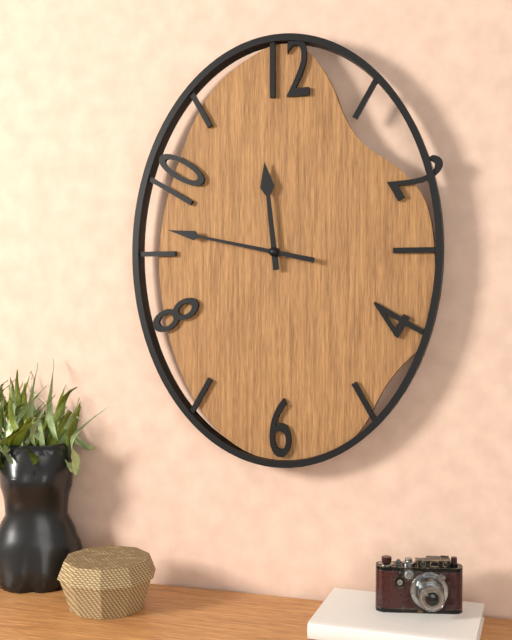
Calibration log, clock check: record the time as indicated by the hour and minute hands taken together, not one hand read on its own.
11:47
